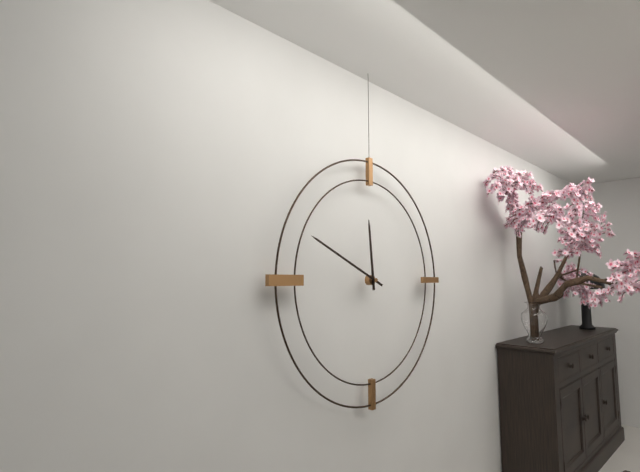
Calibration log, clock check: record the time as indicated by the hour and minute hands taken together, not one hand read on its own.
11:49
